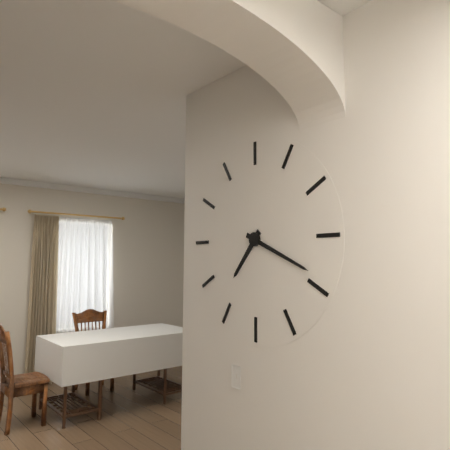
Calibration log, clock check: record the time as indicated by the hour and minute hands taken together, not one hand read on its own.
7:19
